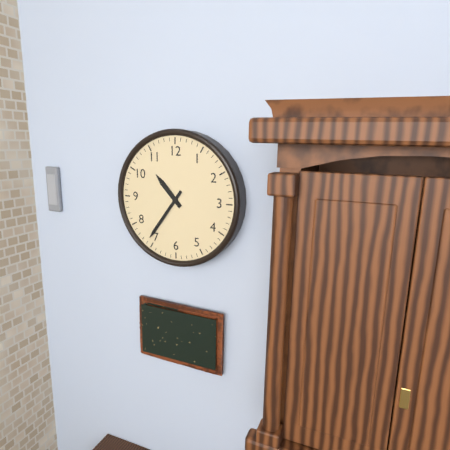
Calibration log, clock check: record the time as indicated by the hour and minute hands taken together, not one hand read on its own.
10:36
